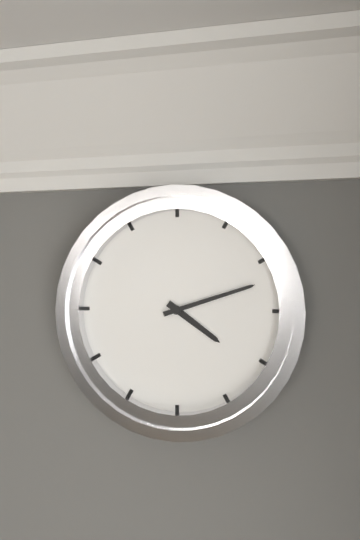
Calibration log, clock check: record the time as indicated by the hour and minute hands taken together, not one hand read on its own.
4:12
